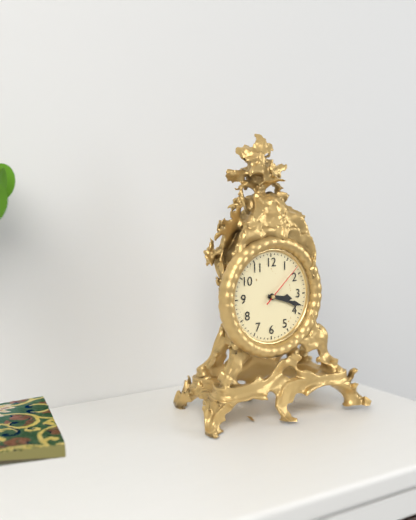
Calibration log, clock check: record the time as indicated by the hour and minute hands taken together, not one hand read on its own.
3:18
